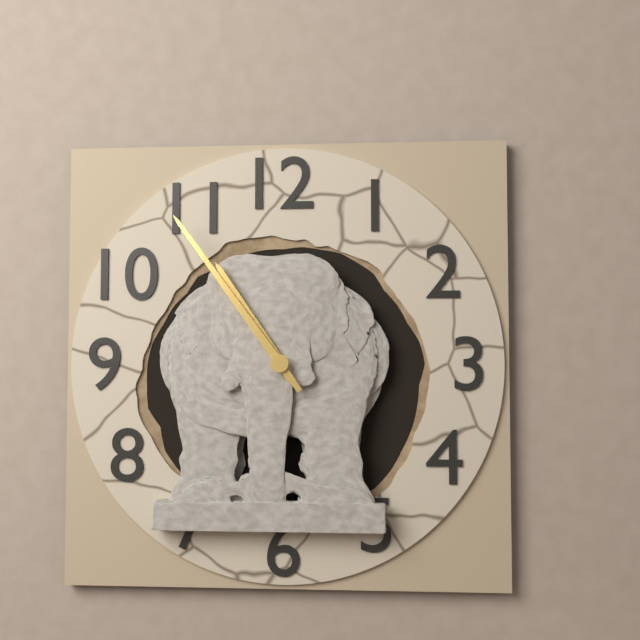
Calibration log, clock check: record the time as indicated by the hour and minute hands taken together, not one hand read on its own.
10:54
